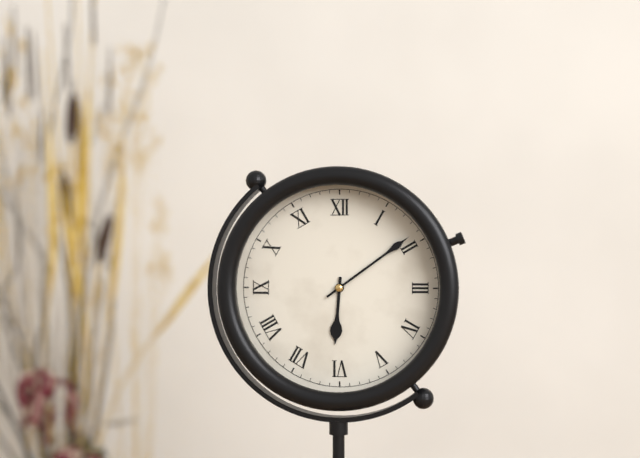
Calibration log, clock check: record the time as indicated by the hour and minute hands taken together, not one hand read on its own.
6:09
